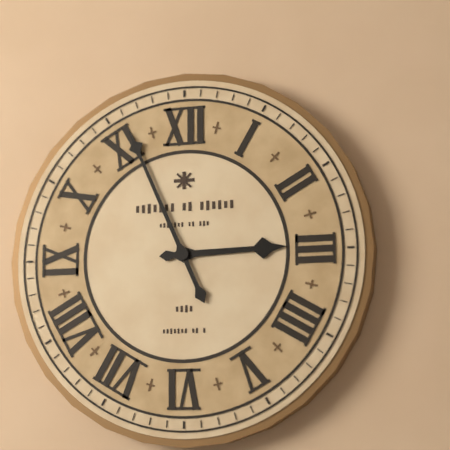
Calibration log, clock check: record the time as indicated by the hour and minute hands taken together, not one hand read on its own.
2:56
